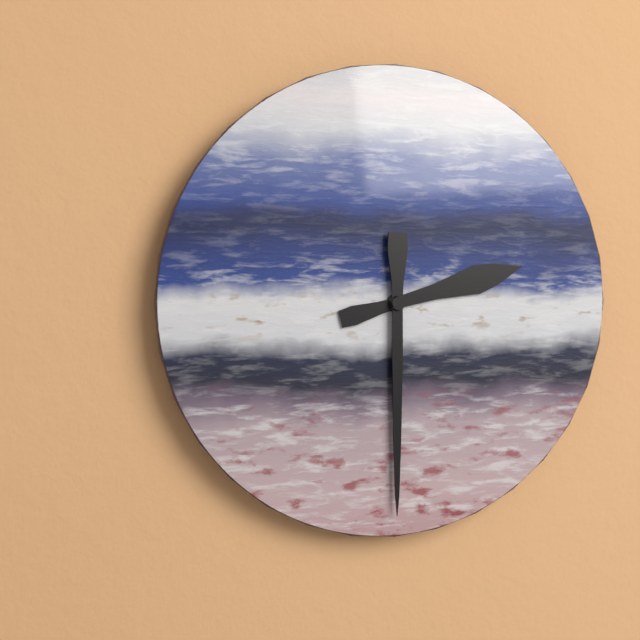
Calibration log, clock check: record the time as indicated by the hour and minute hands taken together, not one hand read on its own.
2:30
